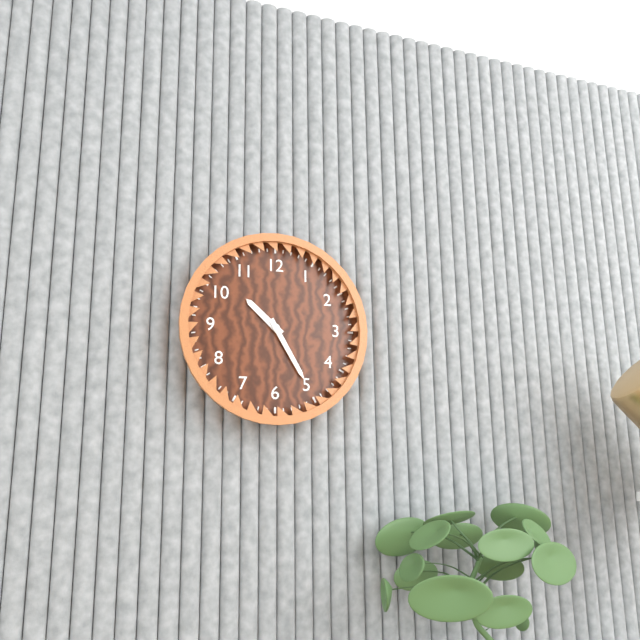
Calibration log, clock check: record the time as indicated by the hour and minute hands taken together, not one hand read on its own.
10:25
